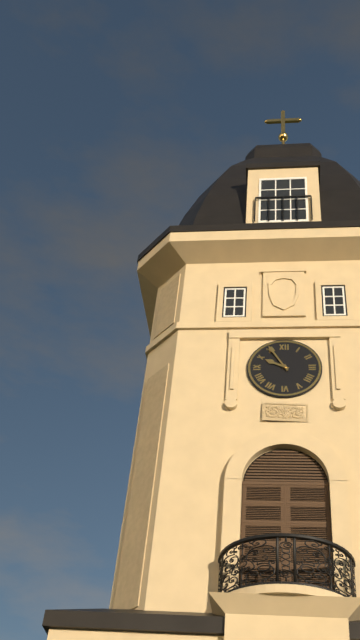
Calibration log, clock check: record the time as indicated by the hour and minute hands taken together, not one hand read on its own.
9:55
